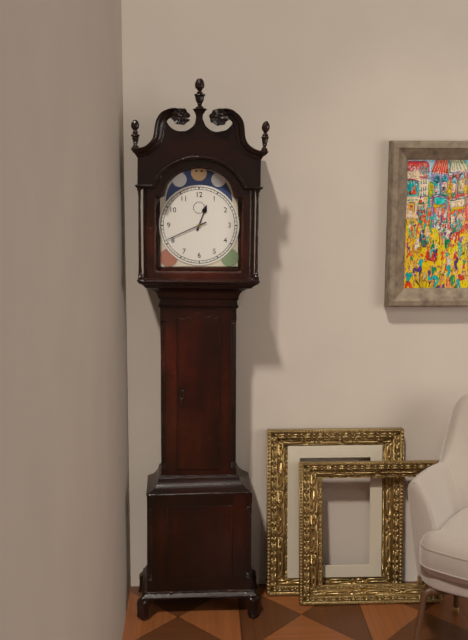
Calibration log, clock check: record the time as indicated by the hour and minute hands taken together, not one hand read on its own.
12:41
